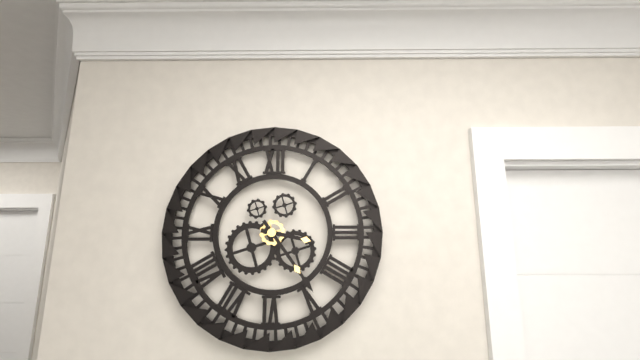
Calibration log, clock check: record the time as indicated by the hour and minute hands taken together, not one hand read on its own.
3:24
